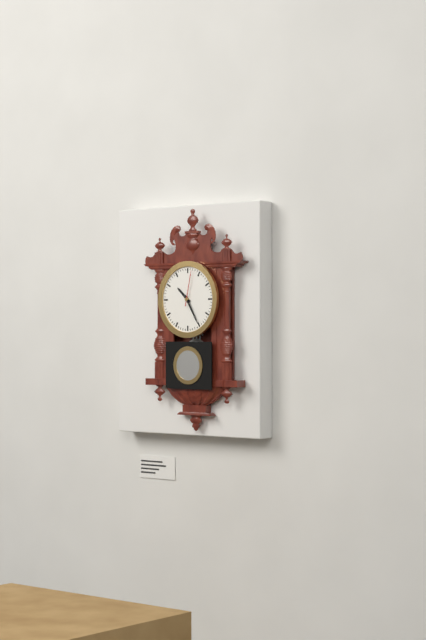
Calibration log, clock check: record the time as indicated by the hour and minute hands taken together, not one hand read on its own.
10:25
